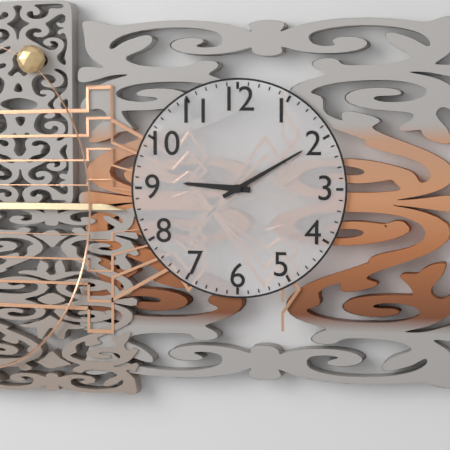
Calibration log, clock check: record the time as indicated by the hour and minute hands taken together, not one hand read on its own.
9:10
